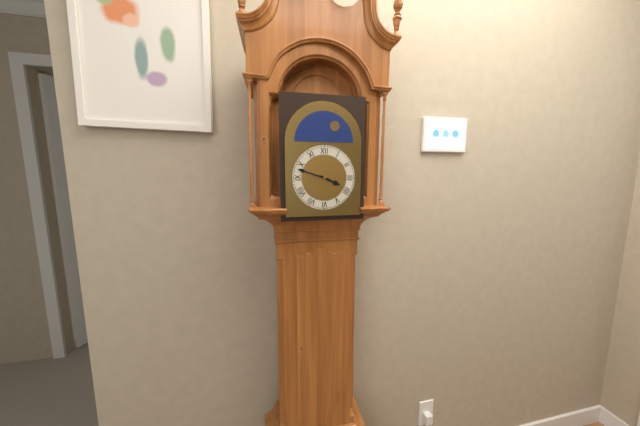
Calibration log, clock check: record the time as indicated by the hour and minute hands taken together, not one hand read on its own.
3:48
